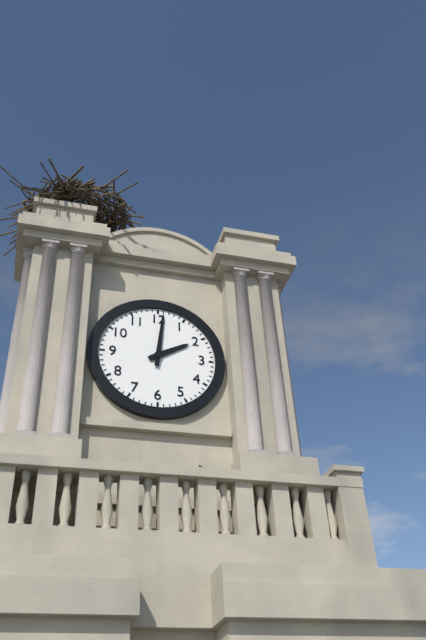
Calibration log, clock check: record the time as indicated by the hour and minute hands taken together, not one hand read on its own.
2:01
